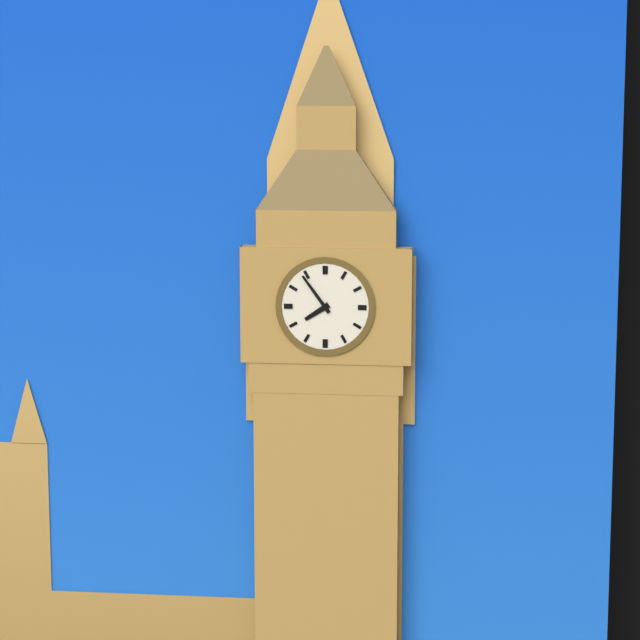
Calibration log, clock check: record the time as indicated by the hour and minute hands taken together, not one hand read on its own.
7:54
